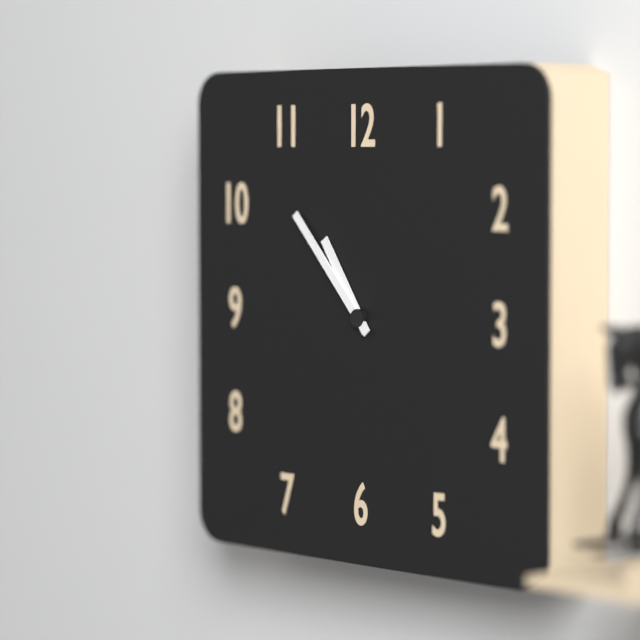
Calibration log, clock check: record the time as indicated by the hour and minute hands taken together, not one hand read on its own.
10:53
